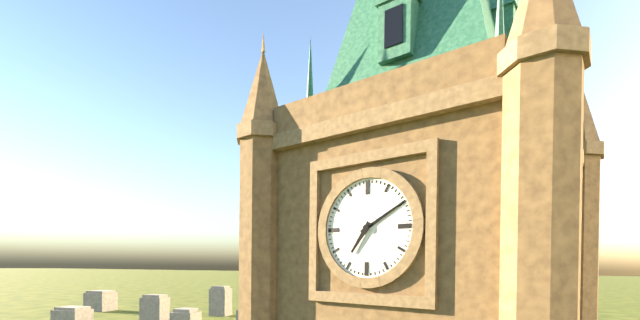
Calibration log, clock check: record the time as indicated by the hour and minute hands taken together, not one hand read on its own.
7:10
